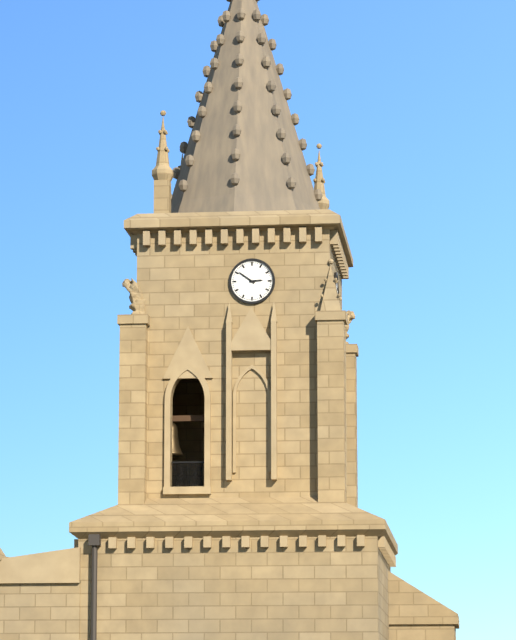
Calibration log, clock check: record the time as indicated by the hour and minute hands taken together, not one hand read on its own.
2:51
